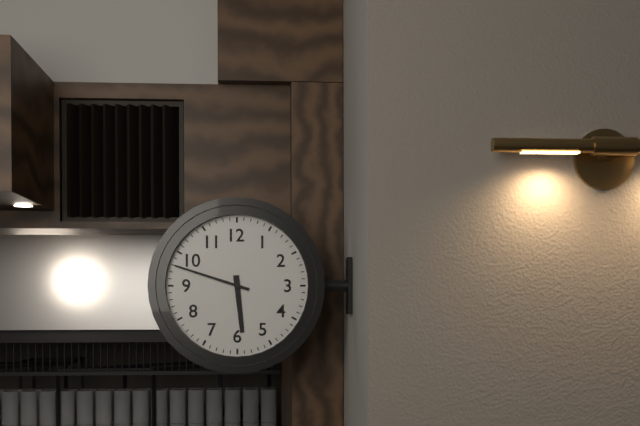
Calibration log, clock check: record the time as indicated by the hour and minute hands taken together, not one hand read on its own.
5:48
